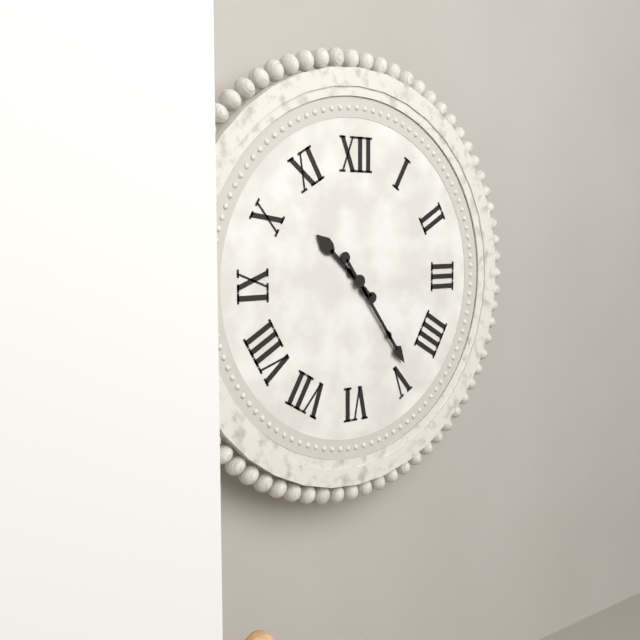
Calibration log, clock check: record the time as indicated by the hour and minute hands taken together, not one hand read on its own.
10:24
